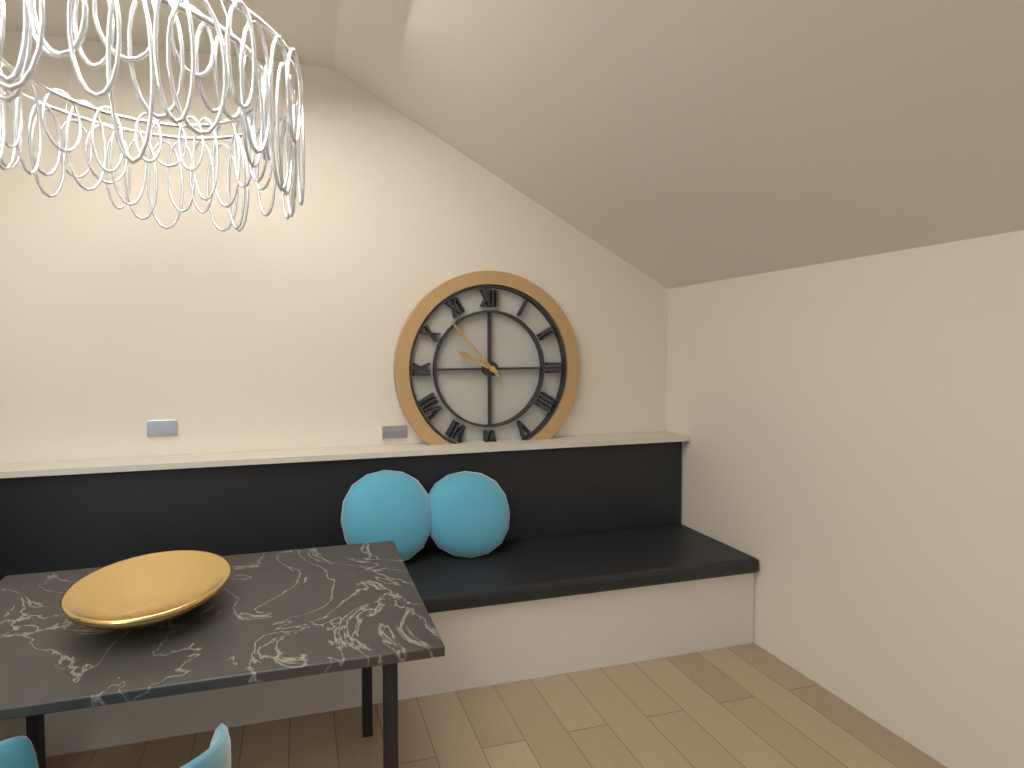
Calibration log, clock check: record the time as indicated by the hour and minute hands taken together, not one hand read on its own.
9:53
